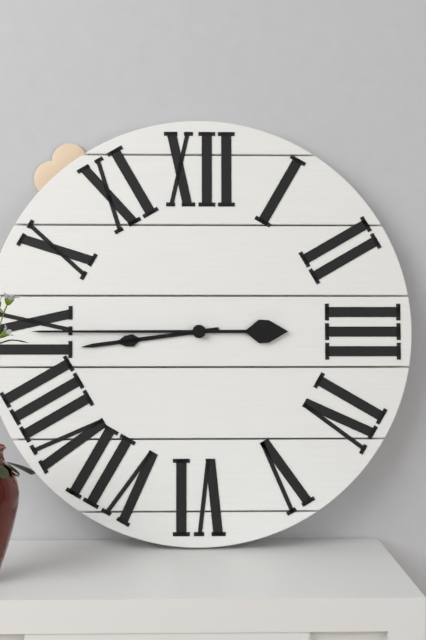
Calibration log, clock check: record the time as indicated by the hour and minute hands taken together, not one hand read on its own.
8:45
